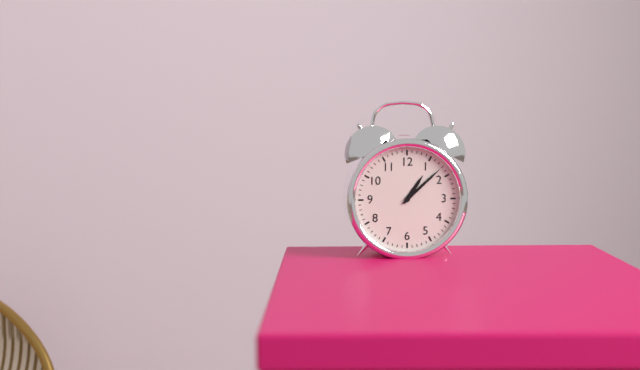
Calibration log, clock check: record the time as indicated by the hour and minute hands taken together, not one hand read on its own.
1:08
